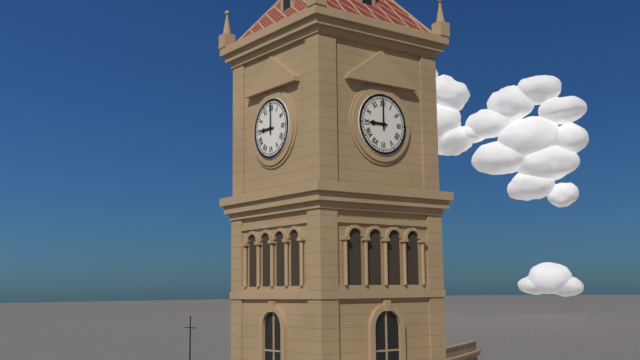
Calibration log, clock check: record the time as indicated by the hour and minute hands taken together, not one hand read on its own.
9:00
